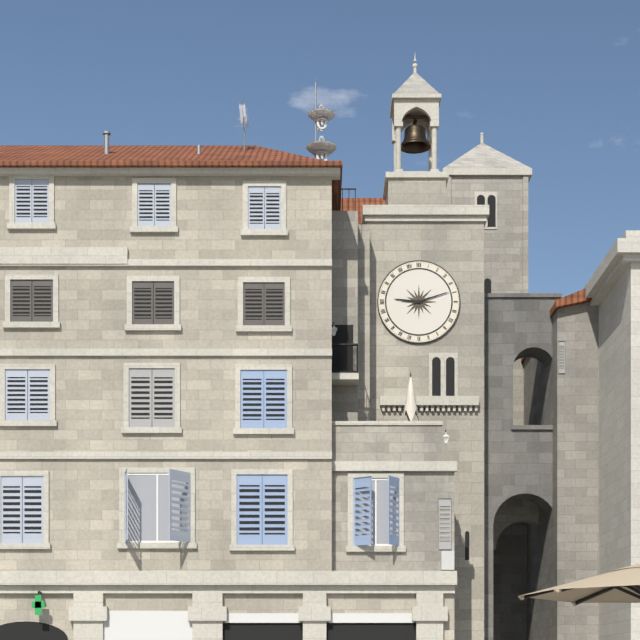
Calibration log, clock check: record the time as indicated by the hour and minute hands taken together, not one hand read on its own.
9:12
